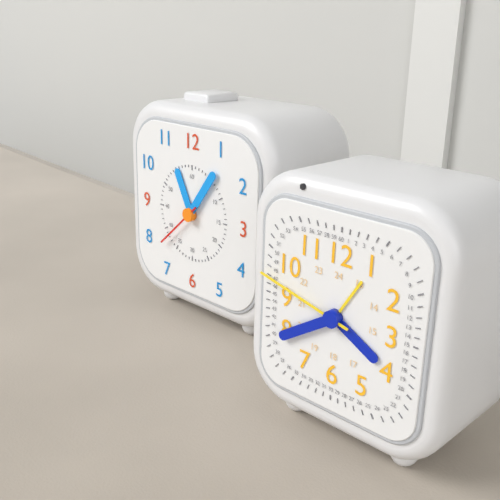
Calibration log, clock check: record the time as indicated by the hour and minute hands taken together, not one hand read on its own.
11:06
